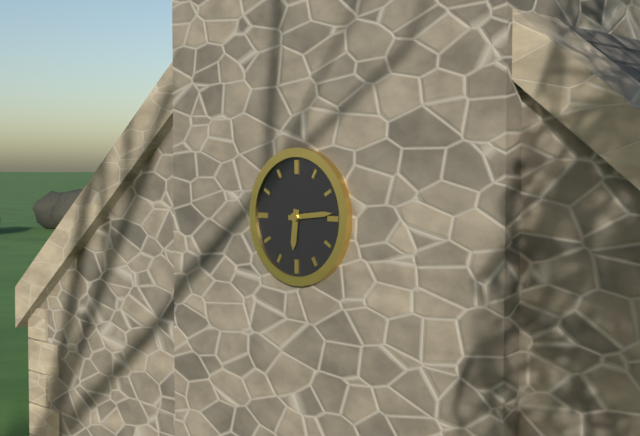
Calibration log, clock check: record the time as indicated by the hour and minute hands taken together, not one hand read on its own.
6:14
